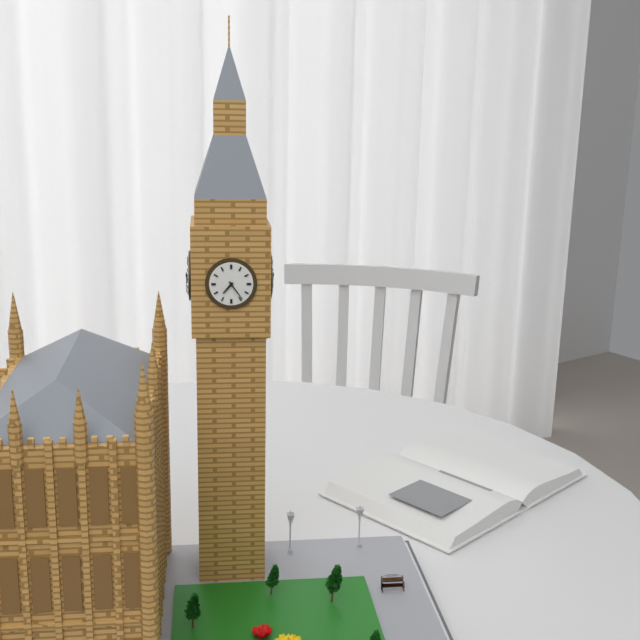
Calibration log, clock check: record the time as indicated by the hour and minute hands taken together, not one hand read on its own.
7:24
